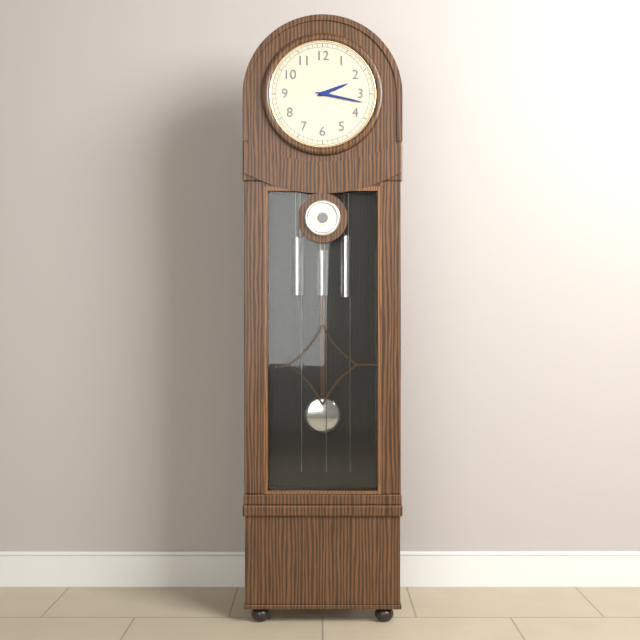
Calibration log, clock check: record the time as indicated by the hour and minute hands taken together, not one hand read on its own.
2:17
